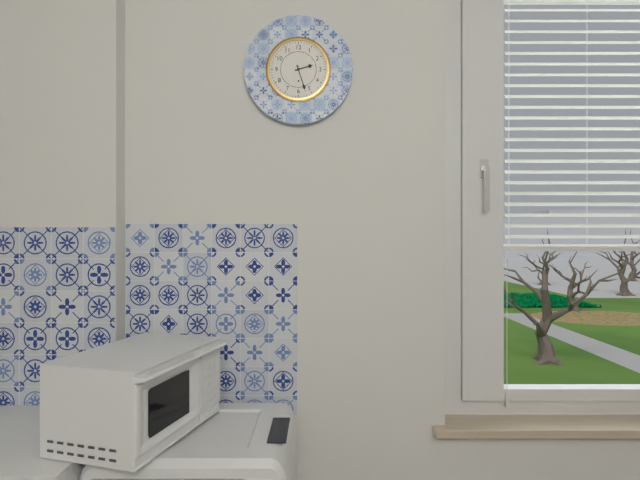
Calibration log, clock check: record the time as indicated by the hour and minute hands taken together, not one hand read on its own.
2:27
